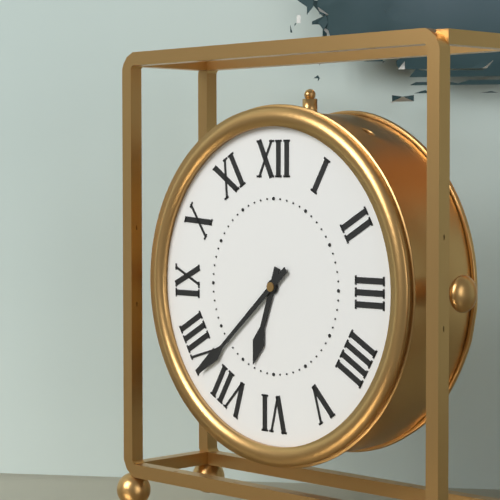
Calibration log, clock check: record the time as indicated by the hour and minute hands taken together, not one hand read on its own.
6:38
